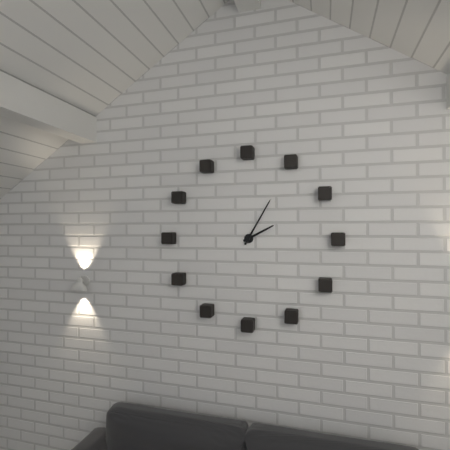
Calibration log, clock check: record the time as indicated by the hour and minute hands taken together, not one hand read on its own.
2:05
